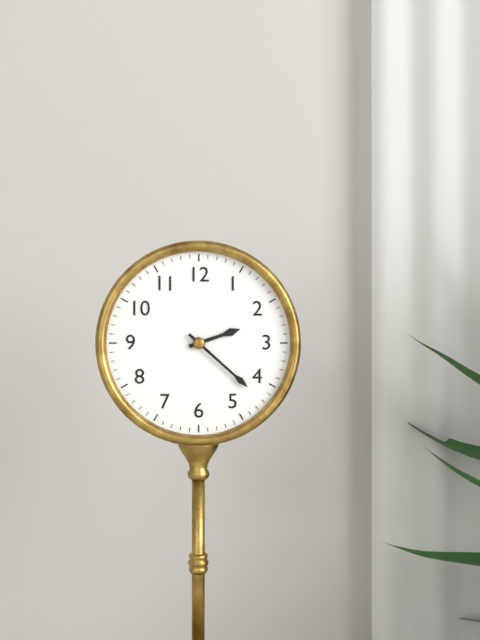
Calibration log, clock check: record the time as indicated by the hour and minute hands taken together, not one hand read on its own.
2:22
